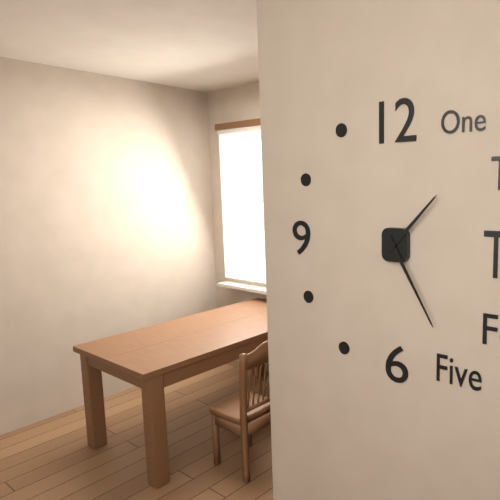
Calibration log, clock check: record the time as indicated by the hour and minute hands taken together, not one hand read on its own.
1:25
